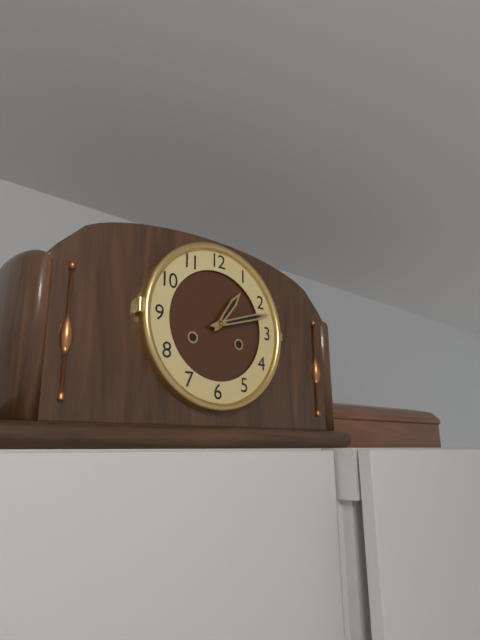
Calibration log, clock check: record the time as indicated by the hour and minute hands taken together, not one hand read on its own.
1:12
